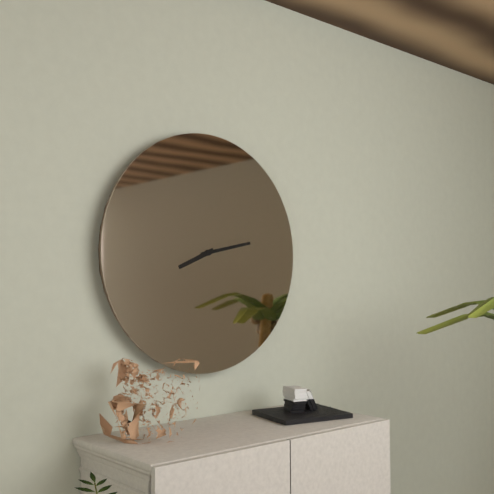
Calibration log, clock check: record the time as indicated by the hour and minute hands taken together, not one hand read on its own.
8:13
